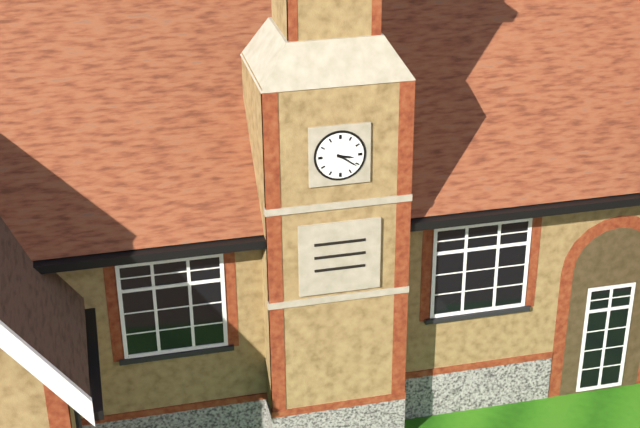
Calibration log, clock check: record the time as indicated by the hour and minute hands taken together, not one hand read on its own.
3:21
